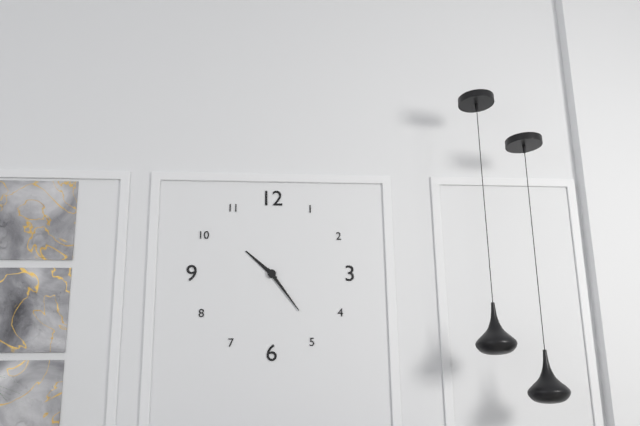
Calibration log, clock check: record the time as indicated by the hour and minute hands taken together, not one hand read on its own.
10:24
